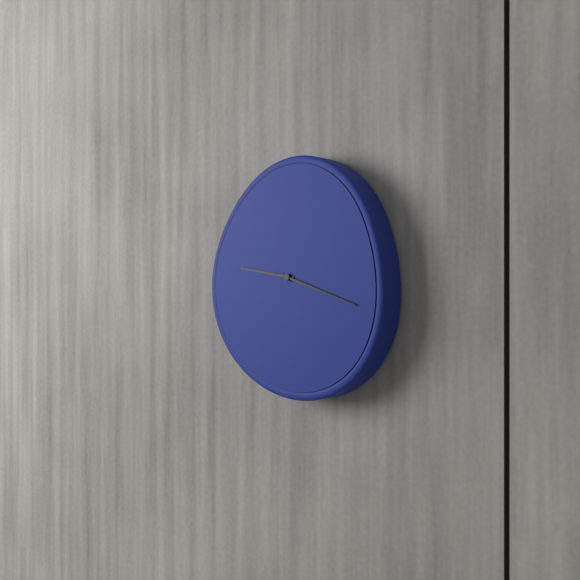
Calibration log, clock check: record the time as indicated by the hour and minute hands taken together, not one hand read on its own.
9:18
